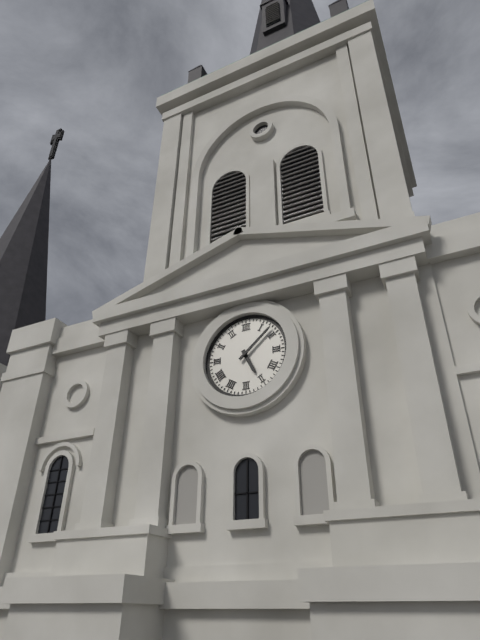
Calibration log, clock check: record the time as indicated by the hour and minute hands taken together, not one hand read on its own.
5:08
